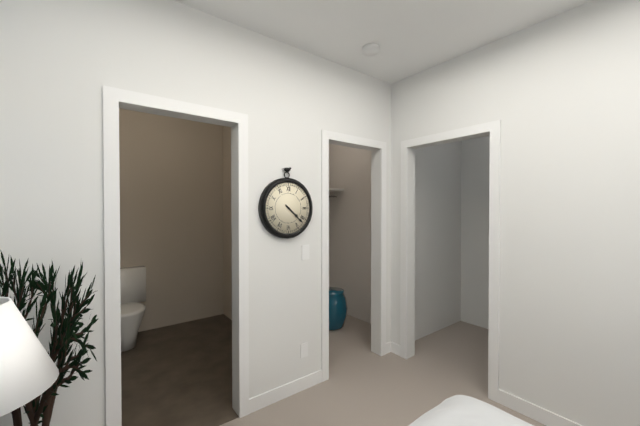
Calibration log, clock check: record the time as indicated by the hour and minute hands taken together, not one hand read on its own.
4:22
